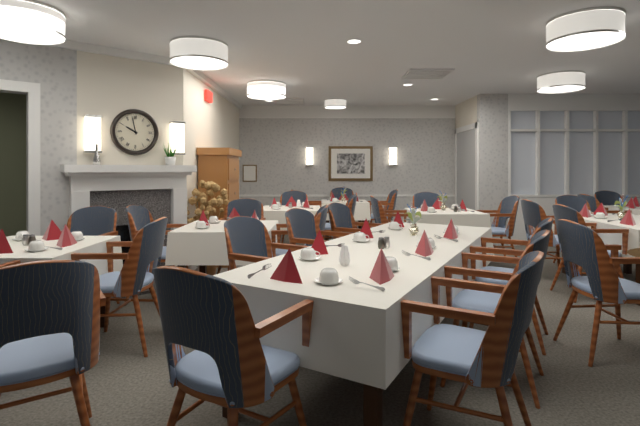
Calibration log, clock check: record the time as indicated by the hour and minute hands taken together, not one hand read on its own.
9:58
